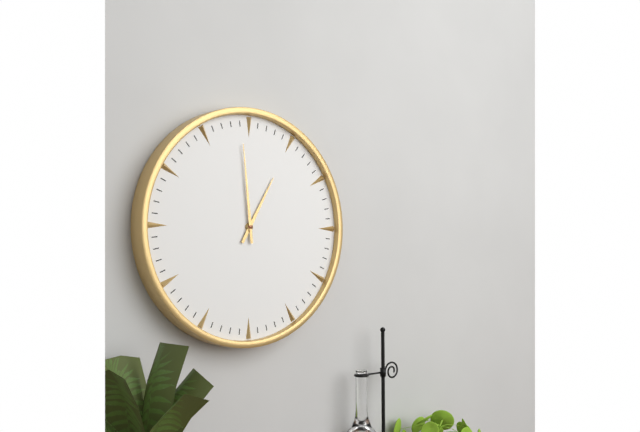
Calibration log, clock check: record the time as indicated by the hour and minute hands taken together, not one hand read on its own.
12:59
